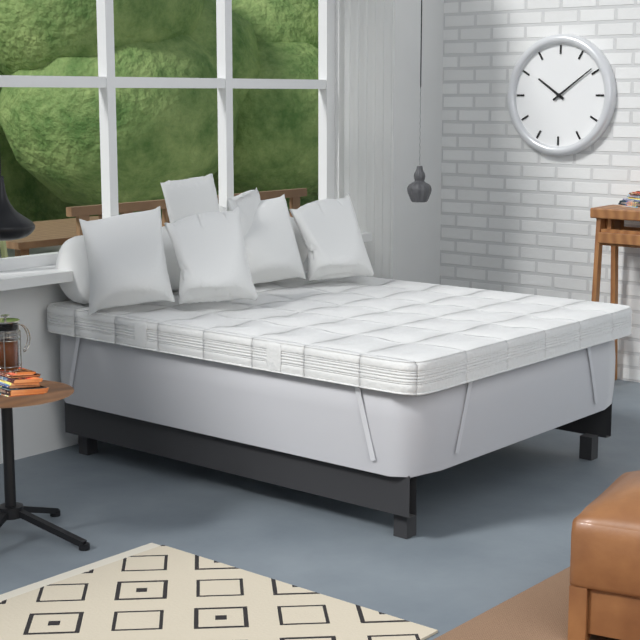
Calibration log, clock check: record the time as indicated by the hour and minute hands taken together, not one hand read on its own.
10:09
